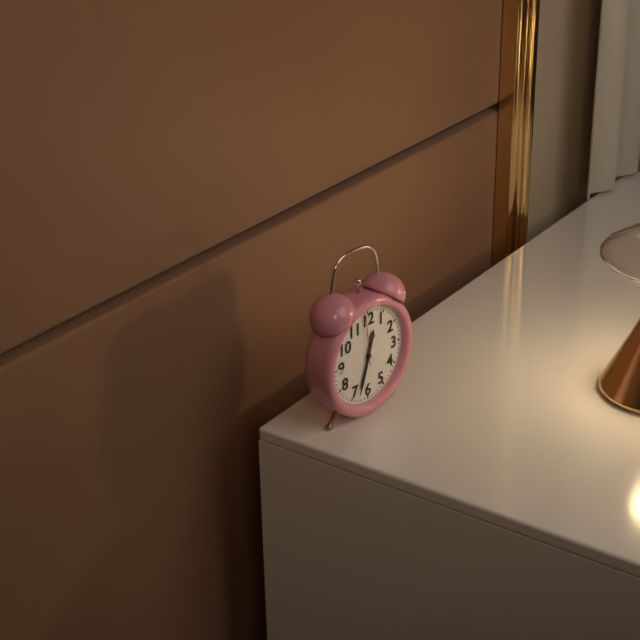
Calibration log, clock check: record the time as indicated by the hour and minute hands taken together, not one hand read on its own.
12:33
